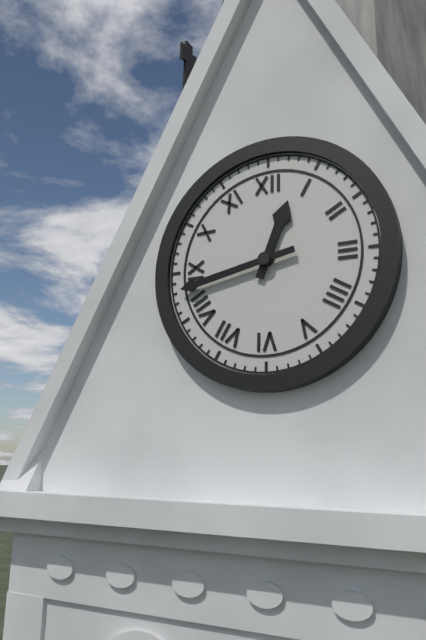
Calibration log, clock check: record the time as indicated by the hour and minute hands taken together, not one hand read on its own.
12:43
